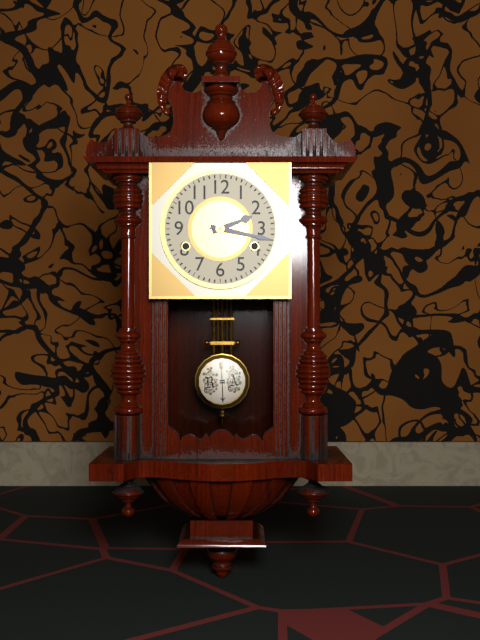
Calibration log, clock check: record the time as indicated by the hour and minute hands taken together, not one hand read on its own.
2:17
